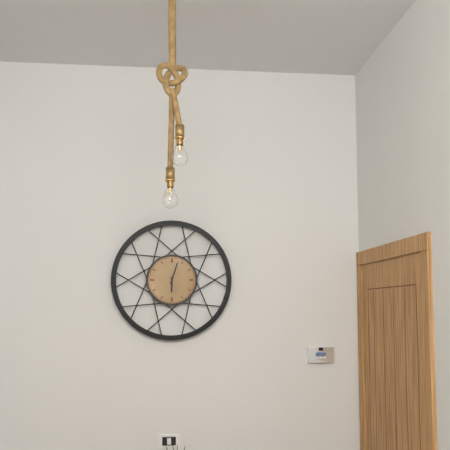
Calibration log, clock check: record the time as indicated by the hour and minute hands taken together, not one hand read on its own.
6:03
